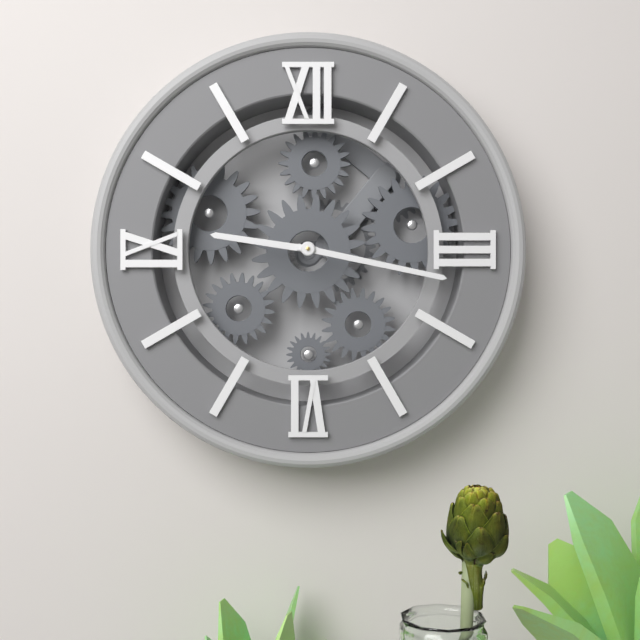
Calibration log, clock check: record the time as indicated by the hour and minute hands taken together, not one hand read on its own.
9:17
